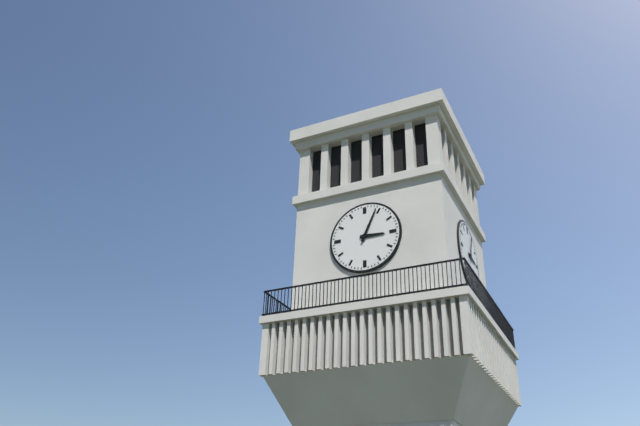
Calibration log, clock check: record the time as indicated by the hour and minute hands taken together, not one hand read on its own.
3:04
